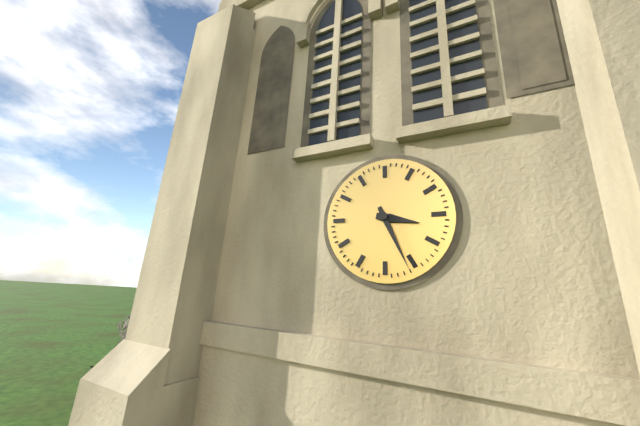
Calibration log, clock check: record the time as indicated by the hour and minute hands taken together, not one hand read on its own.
3:26
